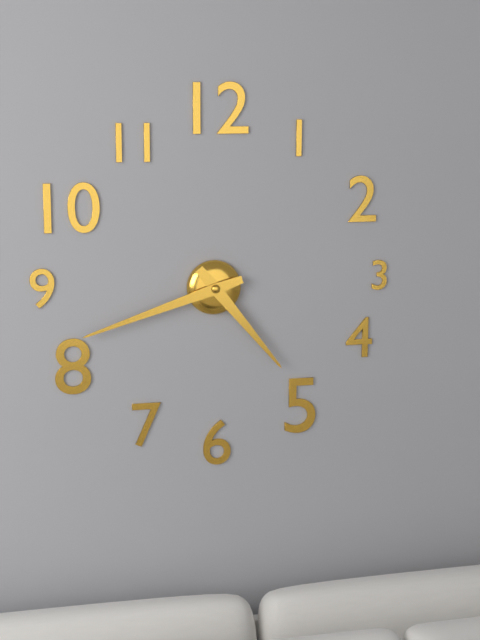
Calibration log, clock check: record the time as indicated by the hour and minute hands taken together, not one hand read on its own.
4:42
